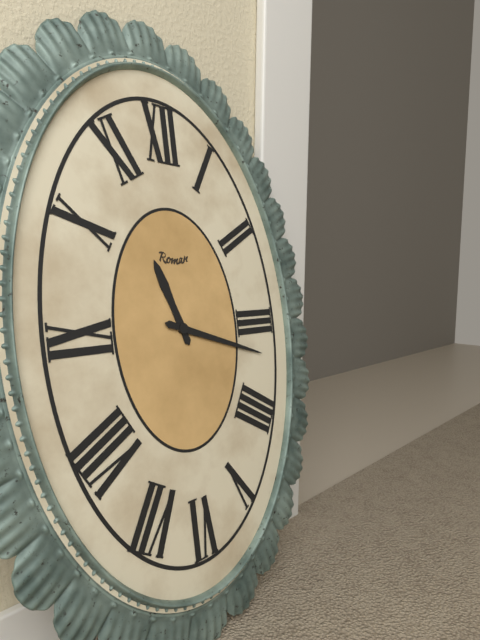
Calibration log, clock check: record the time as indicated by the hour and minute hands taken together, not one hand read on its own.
11:18
